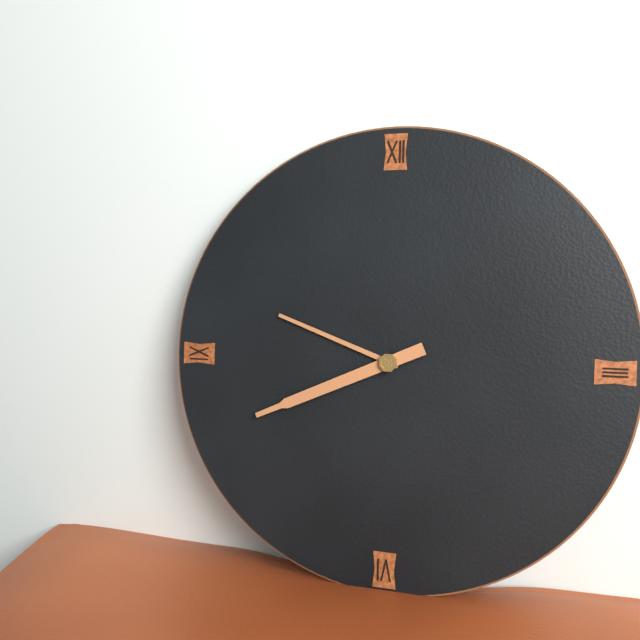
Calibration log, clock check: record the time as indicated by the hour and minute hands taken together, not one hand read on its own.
9:41
